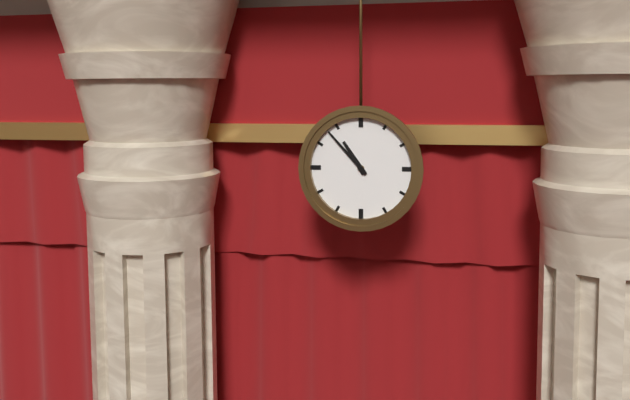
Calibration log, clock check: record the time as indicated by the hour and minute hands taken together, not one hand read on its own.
10:53
